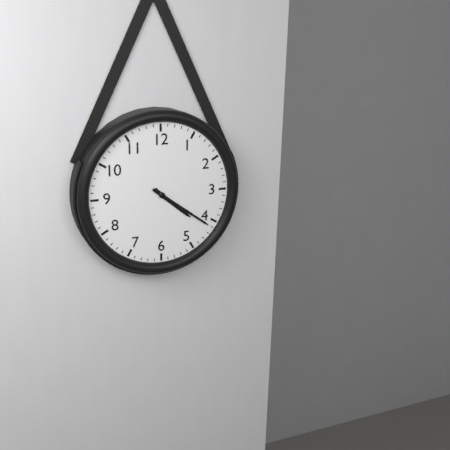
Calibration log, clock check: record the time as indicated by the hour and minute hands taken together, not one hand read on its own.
4:21
